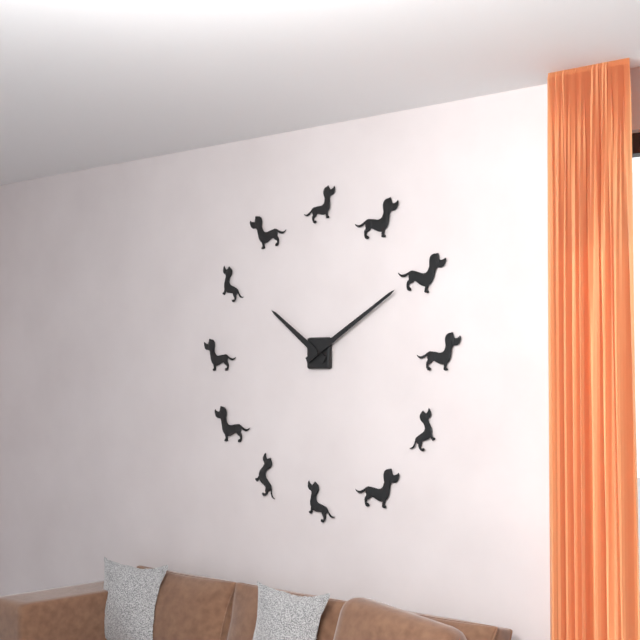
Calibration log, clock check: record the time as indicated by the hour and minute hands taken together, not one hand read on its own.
10:10
